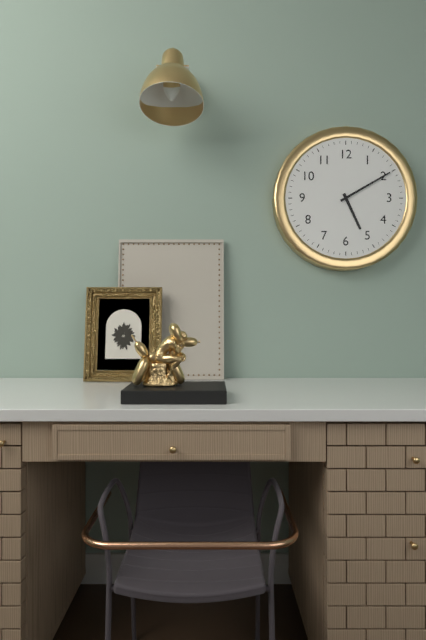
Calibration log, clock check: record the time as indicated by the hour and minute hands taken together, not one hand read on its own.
5:10
